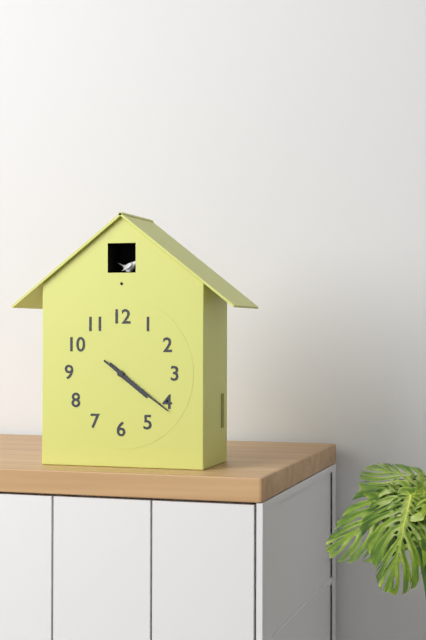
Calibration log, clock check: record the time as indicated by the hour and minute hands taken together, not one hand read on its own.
4:21
